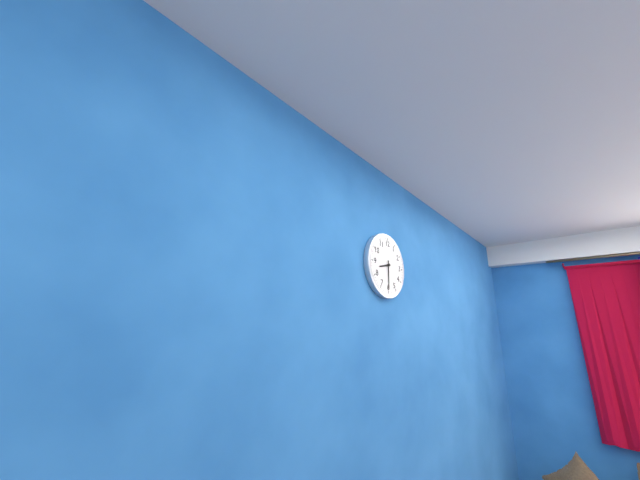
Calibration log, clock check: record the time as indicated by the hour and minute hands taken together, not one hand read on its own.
8:30
